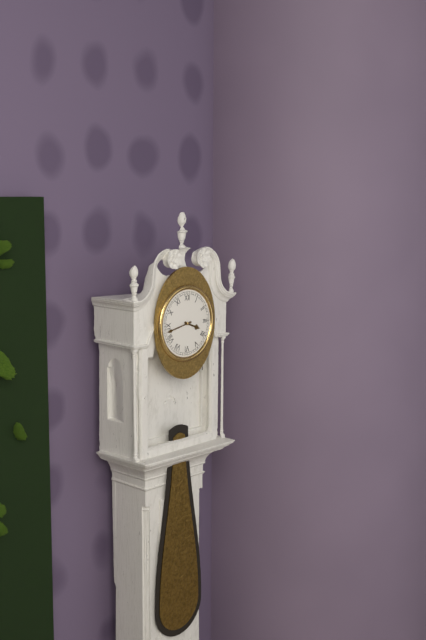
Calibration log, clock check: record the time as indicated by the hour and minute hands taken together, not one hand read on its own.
3:43
